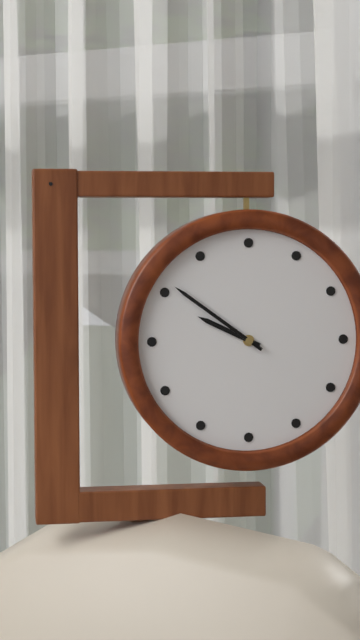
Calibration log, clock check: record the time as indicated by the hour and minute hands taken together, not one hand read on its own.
9:51
